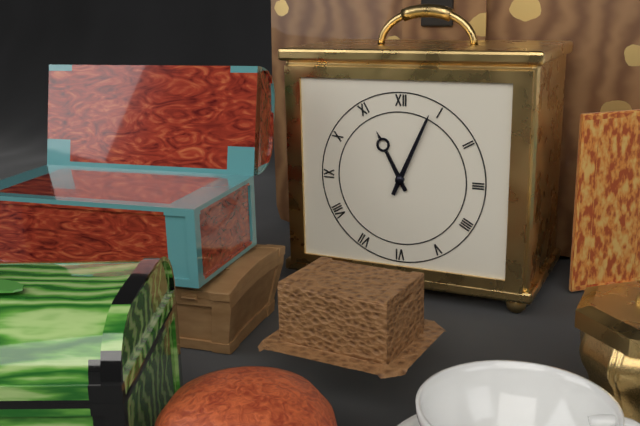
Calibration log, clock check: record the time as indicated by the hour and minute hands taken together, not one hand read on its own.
11:04
